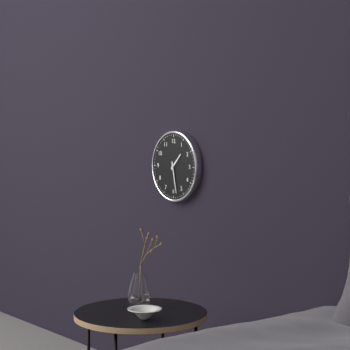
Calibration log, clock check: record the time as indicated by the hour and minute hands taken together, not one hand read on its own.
1:28
